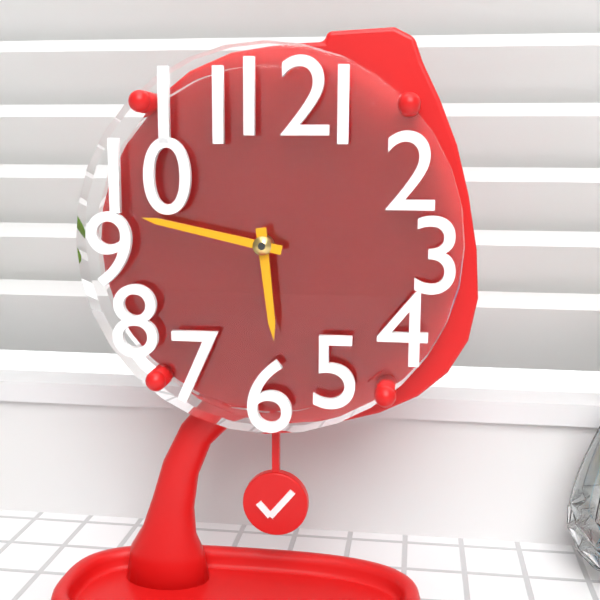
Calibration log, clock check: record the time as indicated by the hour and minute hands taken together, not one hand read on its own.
5:47
